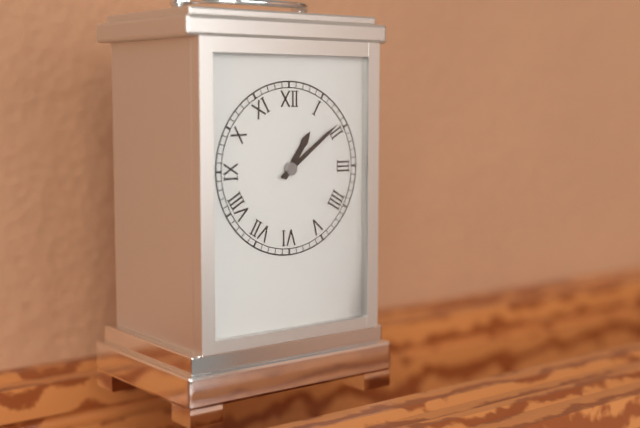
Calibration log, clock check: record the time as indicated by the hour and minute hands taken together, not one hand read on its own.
1:09
